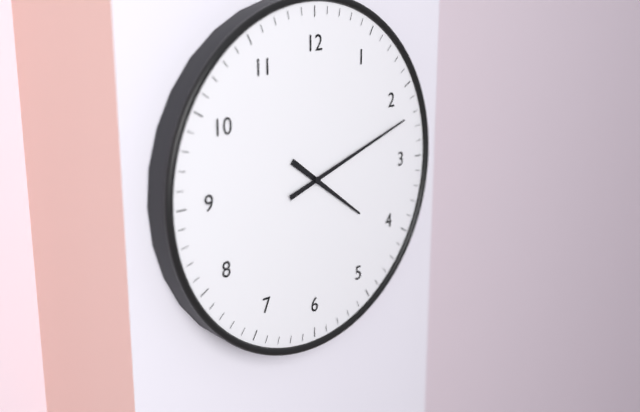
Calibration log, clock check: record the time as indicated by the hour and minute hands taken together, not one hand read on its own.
4:12
